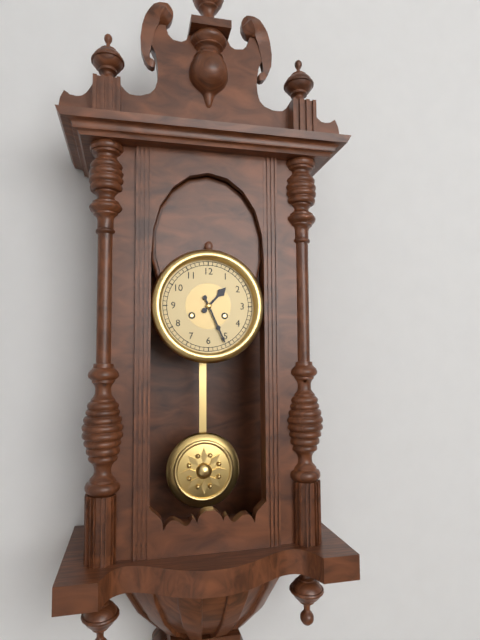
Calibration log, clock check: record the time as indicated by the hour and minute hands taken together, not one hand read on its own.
1:26
